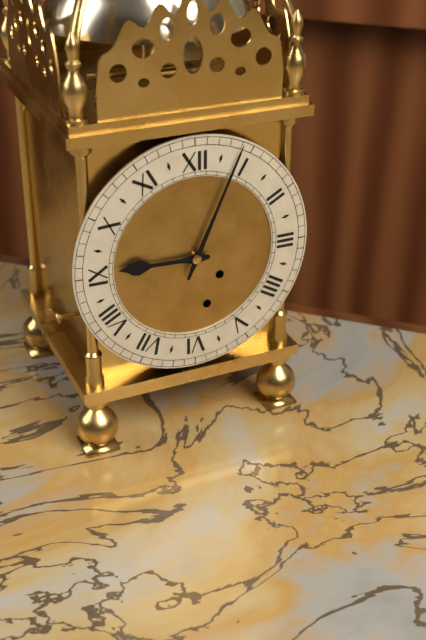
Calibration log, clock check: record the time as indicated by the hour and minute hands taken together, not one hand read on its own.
9:04
